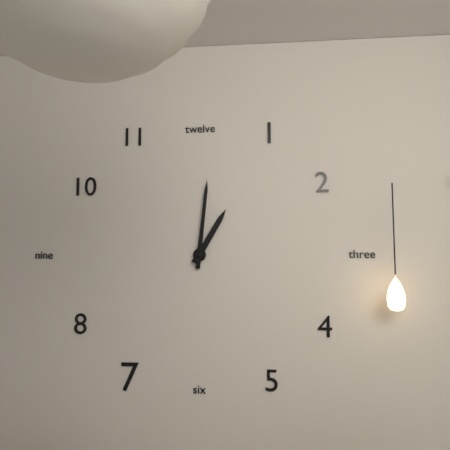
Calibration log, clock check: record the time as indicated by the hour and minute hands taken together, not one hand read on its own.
1:01
